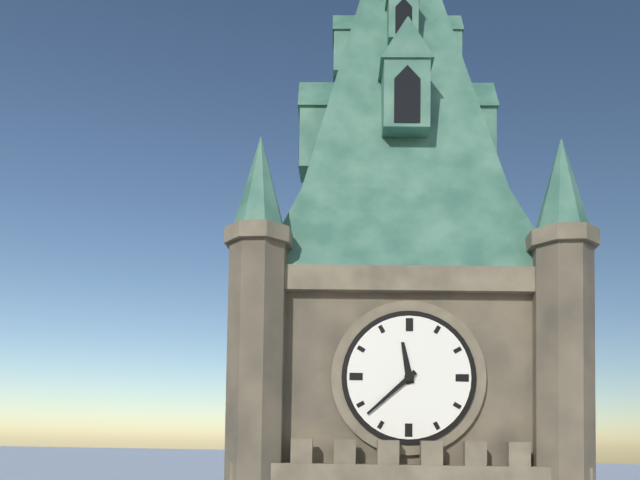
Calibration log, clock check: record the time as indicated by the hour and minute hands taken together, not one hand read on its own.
11:38
